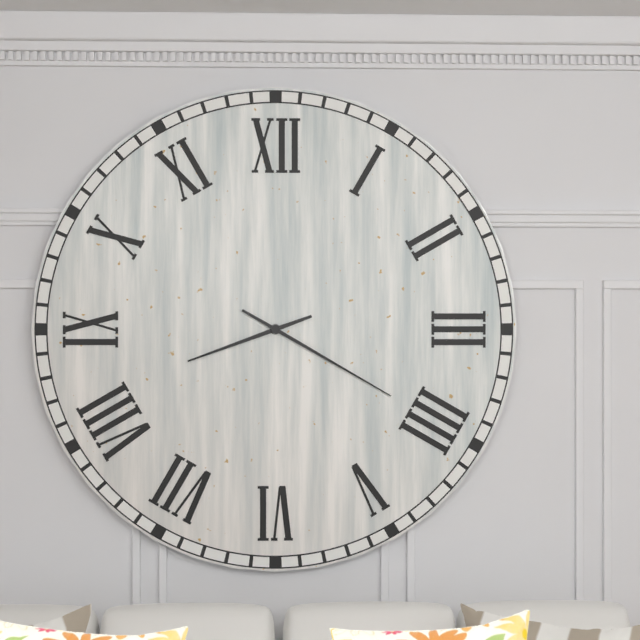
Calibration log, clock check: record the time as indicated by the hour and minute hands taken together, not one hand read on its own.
8:20
